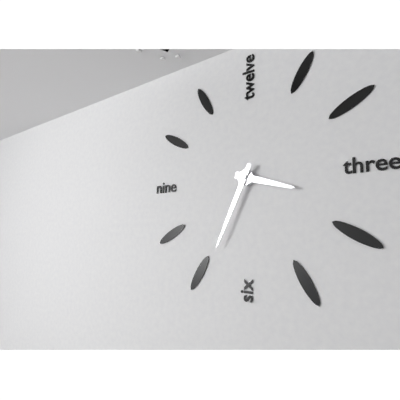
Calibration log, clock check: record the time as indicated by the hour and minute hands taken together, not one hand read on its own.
3:34
